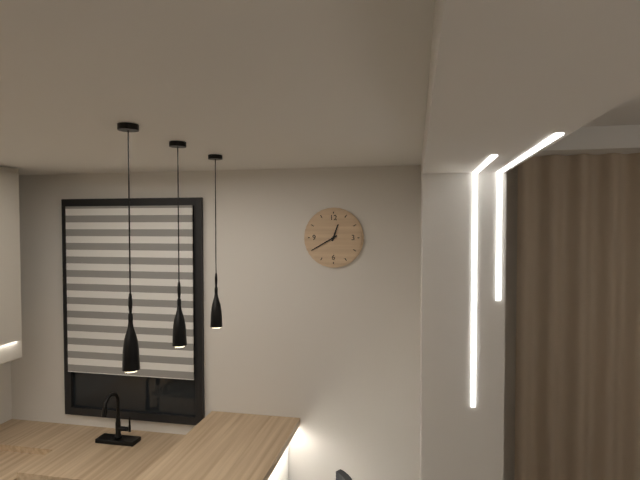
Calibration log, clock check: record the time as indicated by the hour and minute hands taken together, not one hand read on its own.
12:40
